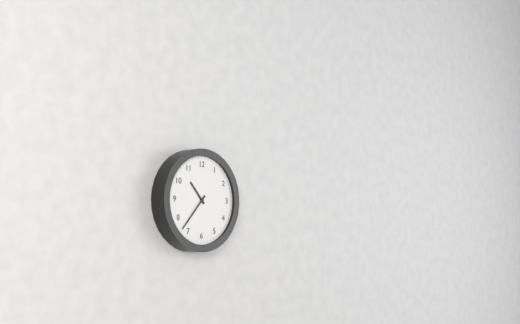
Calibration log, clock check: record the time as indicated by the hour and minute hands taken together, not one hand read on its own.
10:37
